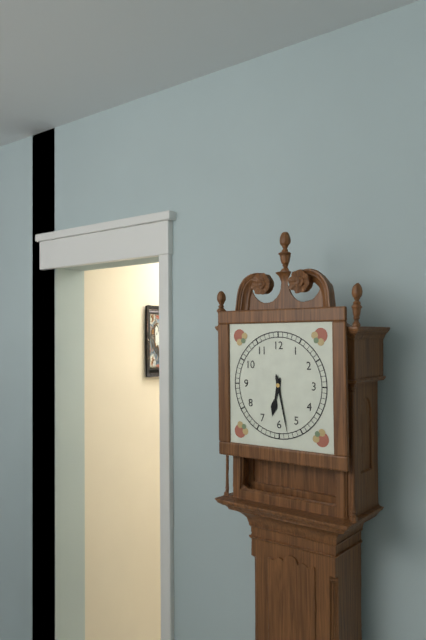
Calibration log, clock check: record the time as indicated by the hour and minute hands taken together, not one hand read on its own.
6:28
